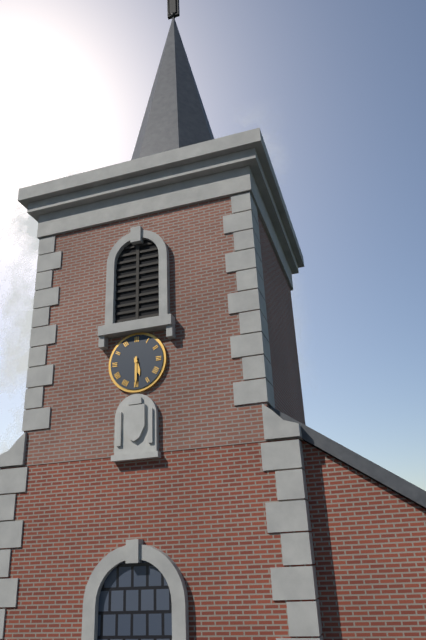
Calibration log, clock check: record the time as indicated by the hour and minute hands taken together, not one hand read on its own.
5:30
